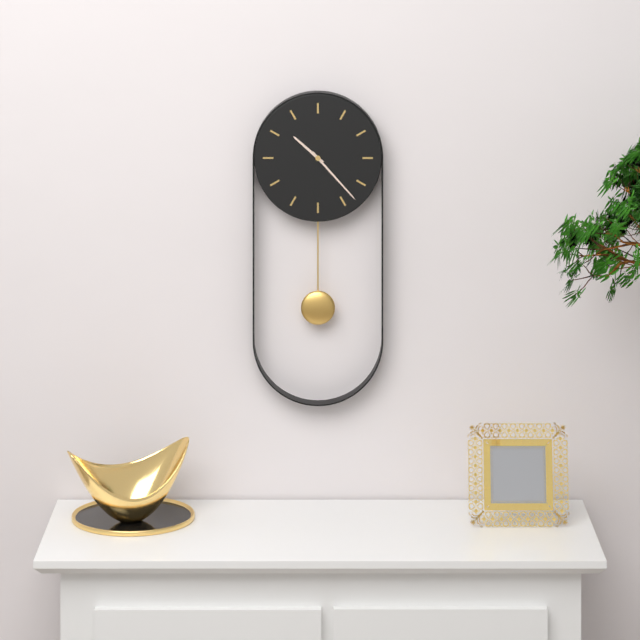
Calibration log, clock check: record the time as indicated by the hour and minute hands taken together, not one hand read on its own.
10:23
